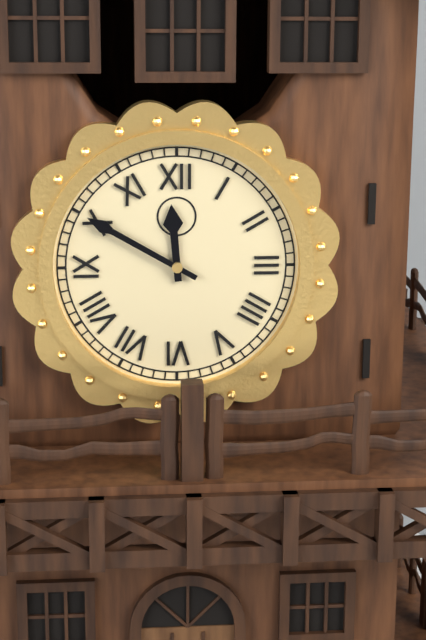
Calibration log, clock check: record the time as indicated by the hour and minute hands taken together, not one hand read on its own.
11:50
